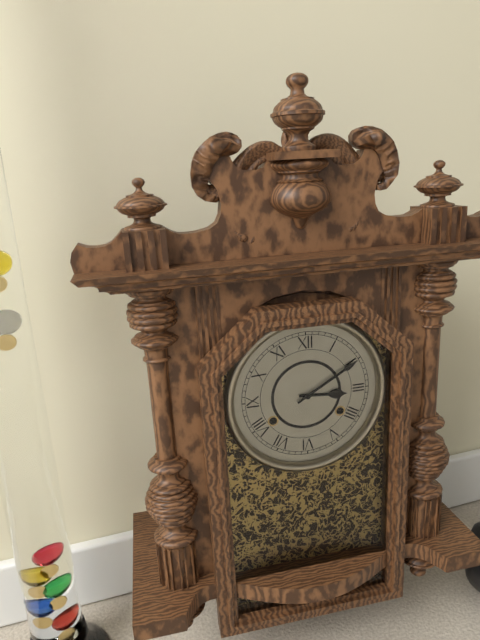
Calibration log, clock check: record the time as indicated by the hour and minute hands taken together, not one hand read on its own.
3:10
